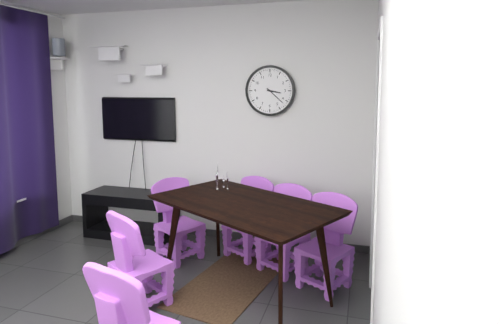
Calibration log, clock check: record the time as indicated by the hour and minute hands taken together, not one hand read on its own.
3:22
